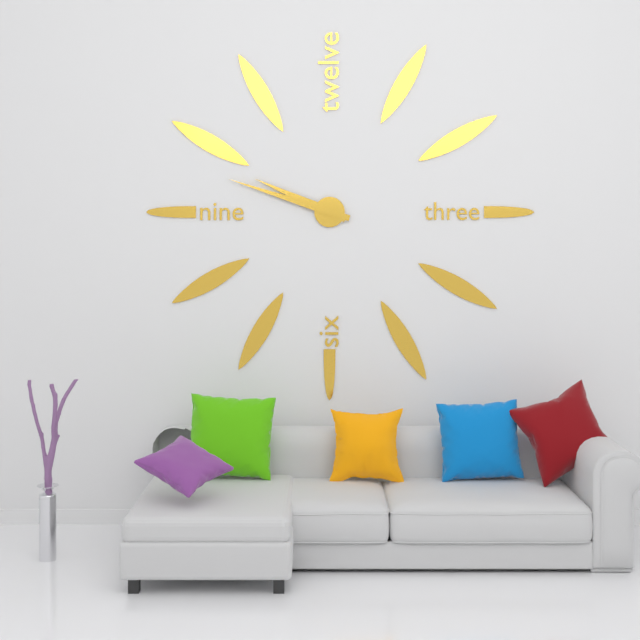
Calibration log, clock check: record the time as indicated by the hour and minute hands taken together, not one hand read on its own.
9:48
